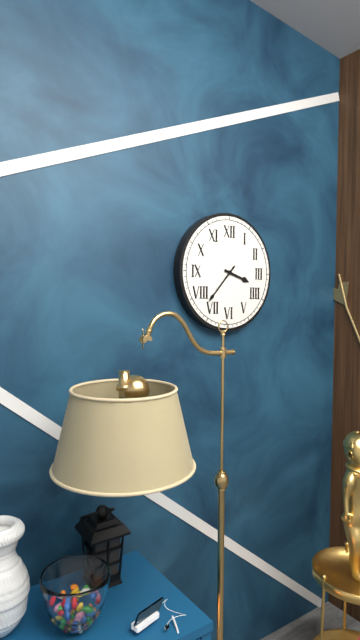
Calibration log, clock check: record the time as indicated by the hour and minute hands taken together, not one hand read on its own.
3:37
